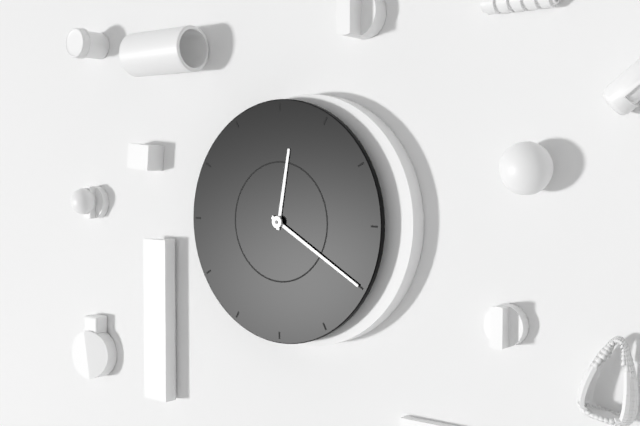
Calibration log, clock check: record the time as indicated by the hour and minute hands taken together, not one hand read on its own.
12:20
